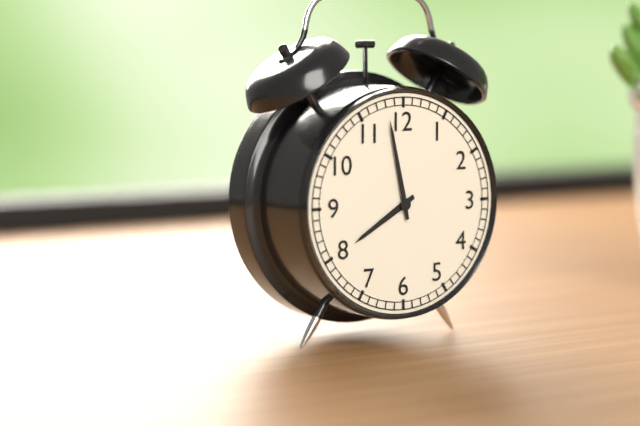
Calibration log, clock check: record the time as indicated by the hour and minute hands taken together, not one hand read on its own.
7:58
